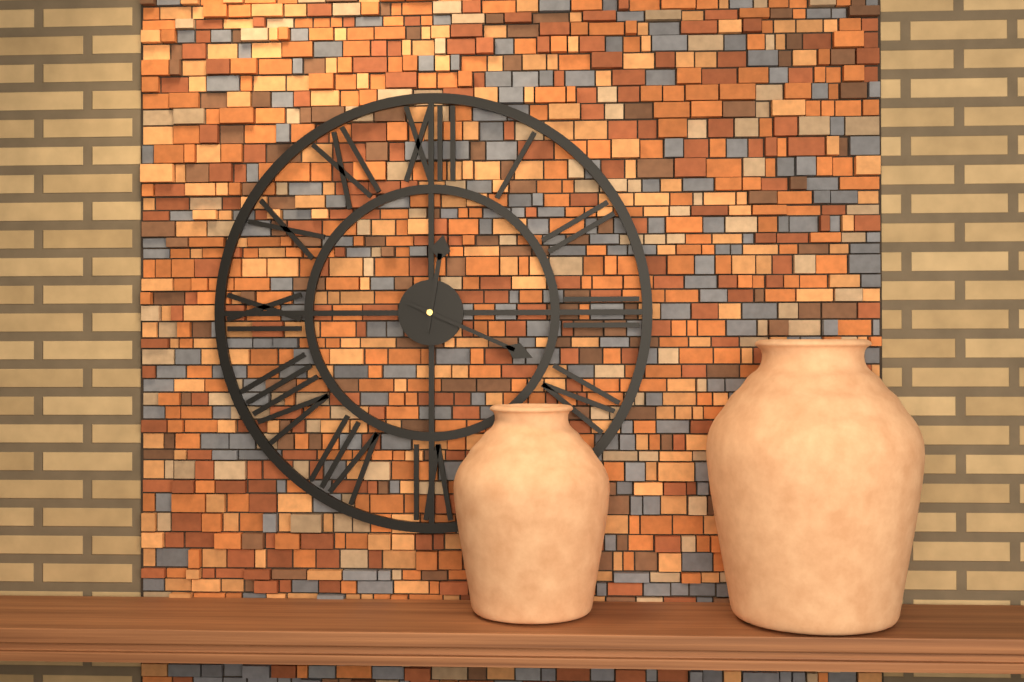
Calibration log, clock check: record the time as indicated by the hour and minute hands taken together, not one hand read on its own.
12:19
